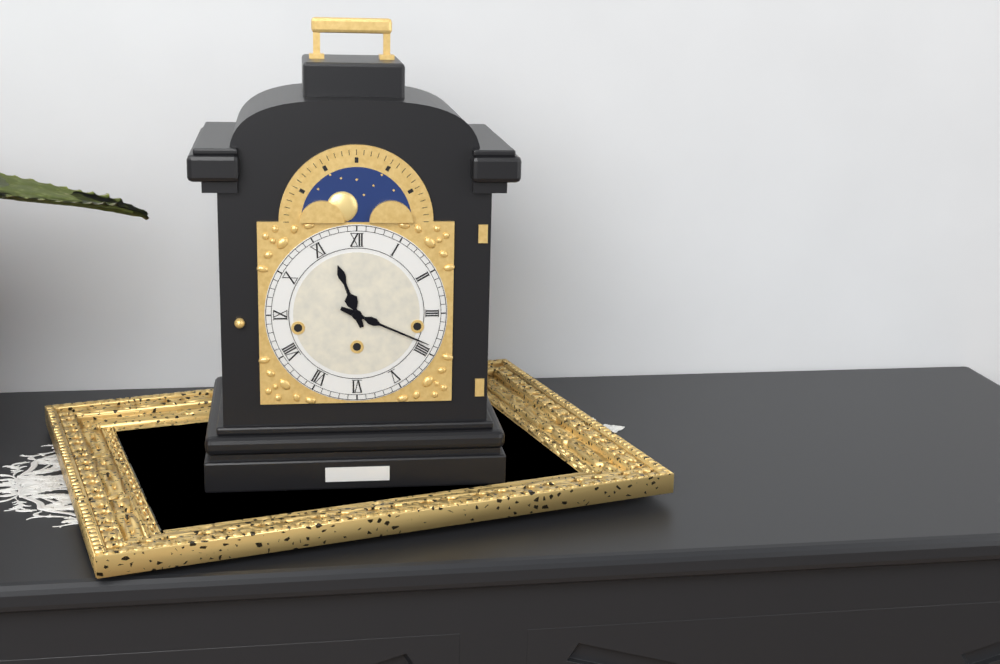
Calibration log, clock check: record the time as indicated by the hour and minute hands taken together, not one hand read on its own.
11:19
